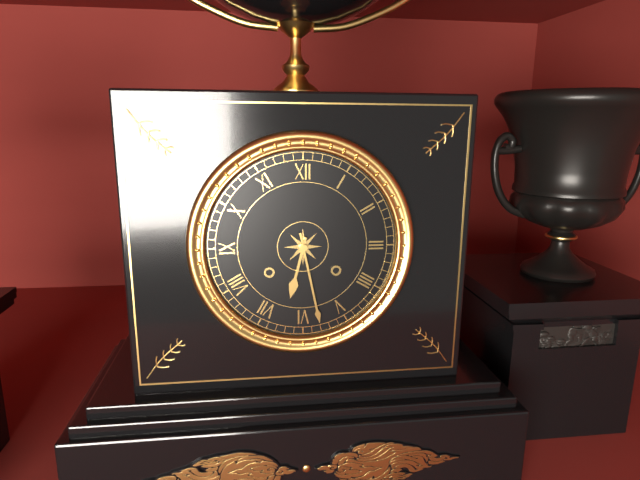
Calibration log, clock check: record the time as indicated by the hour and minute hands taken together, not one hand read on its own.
6:28
